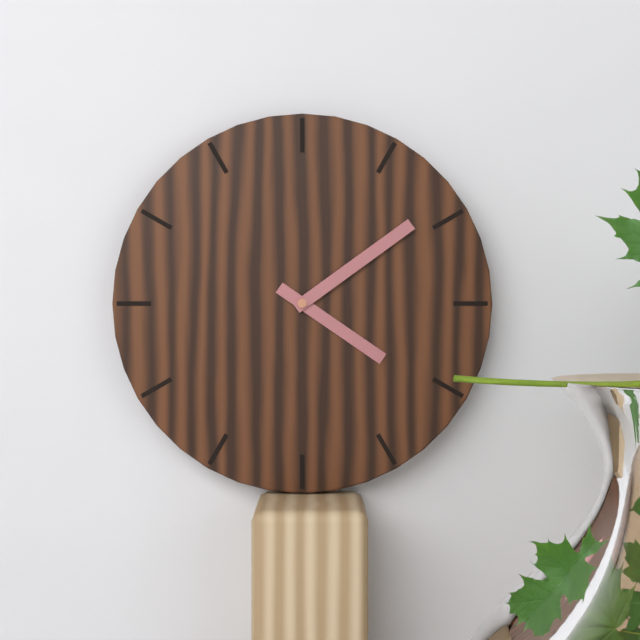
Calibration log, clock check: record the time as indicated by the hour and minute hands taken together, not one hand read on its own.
4:09
